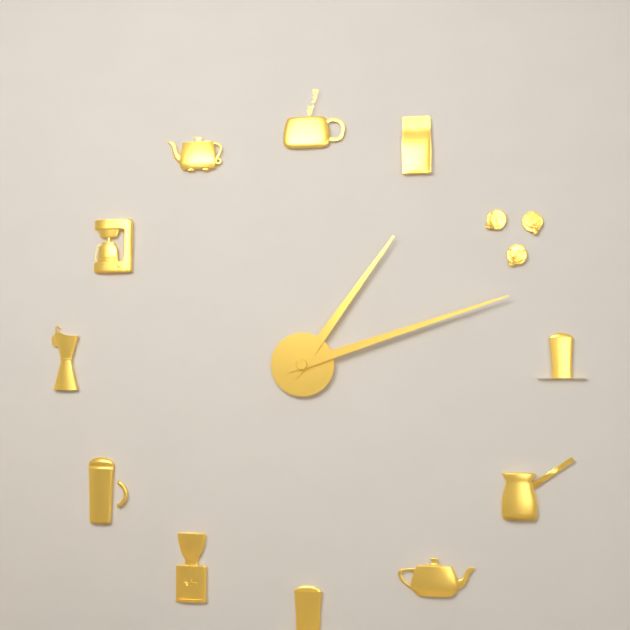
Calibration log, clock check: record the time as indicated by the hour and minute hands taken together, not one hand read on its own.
1:12
